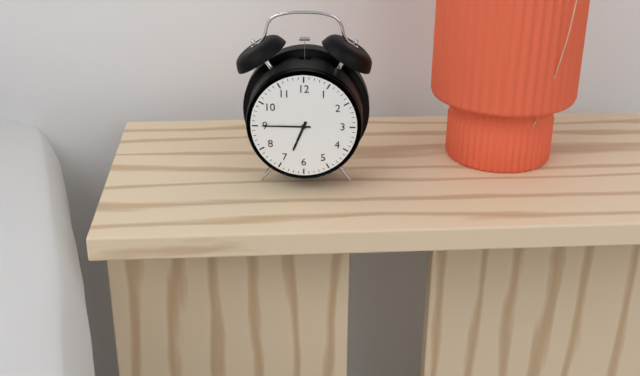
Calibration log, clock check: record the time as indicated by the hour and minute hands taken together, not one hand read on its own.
6:45
